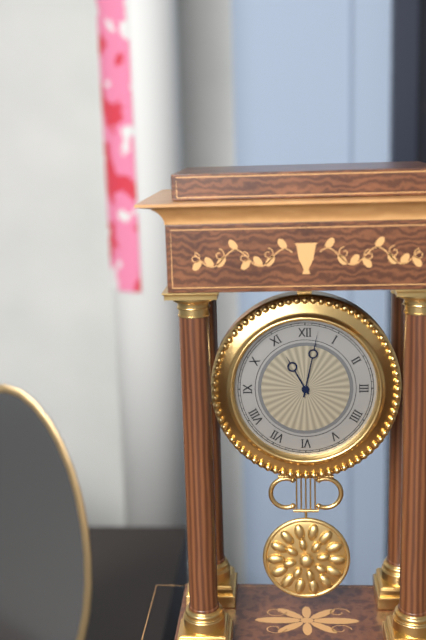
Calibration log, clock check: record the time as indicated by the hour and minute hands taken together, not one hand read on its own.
11:02
